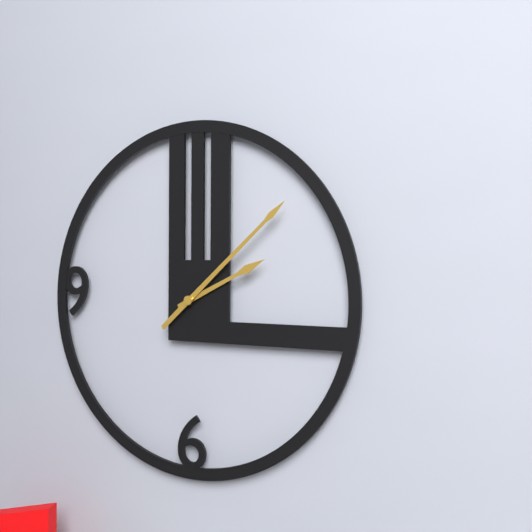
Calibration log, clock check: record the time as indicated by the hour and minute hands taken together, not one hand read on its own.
2:08
